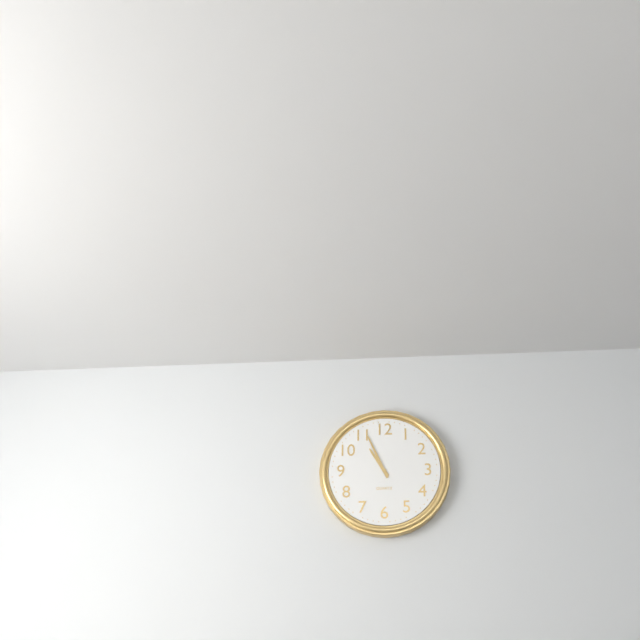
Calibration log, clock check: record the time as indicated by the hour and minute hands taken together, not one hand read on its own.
10:56
